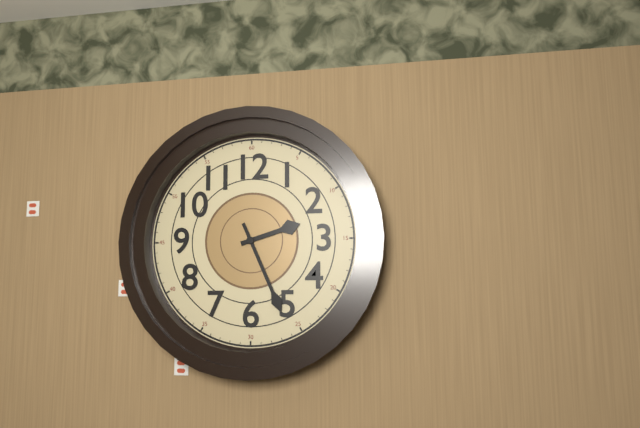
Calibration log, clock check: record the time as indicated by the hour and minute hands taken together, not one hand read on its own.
2:26
